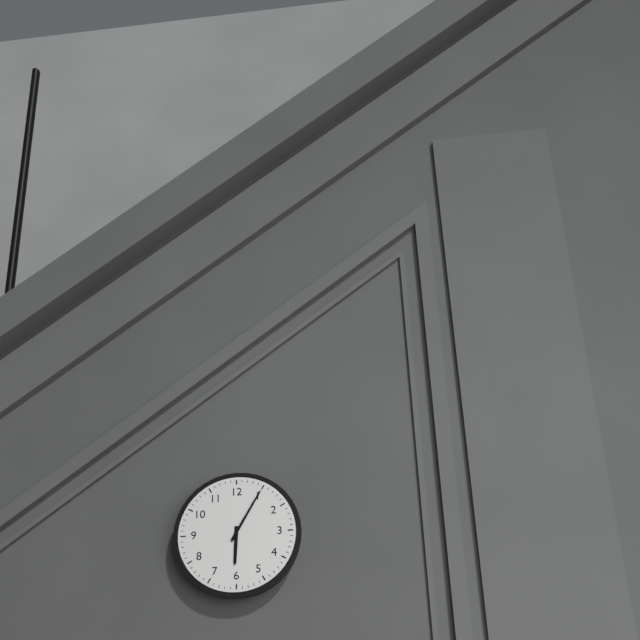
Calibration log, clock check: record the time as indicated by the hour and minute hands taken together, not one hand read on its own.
6:05
